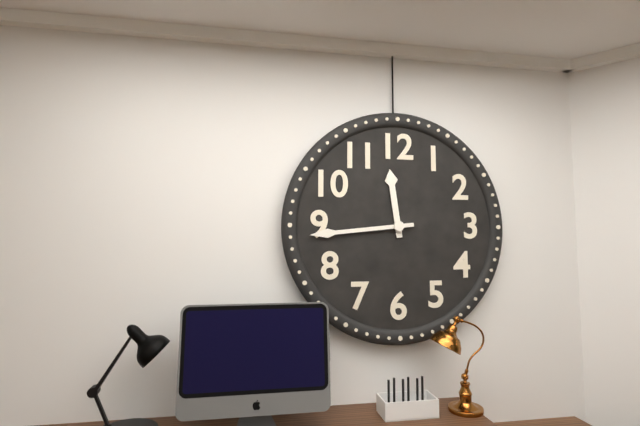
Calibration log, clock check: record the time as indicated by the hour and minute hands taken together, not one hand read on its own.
11:44
